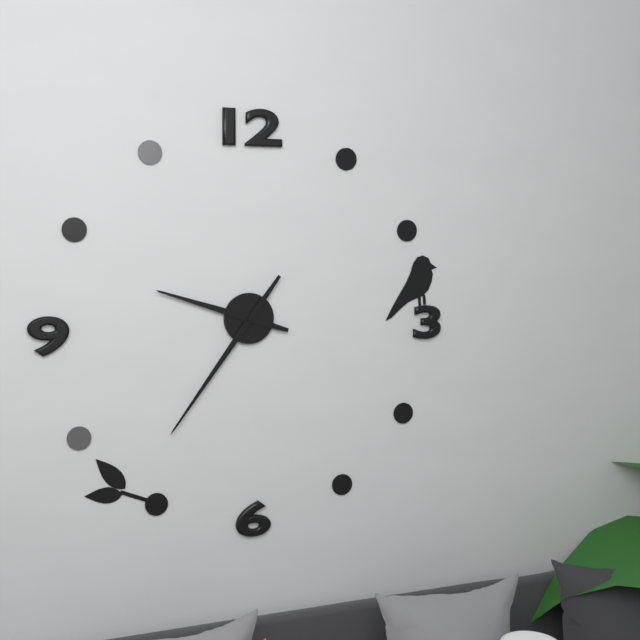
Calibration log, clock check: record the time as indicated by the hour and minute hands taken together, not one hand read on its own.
9:36
